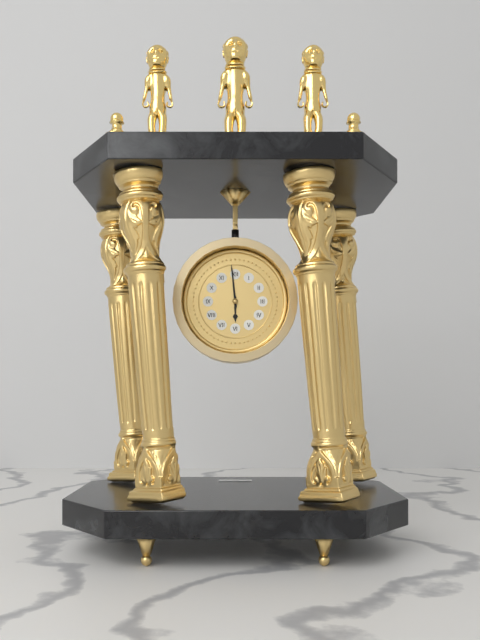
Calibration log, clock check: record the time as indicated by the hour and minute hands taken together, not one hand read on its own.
5:59
